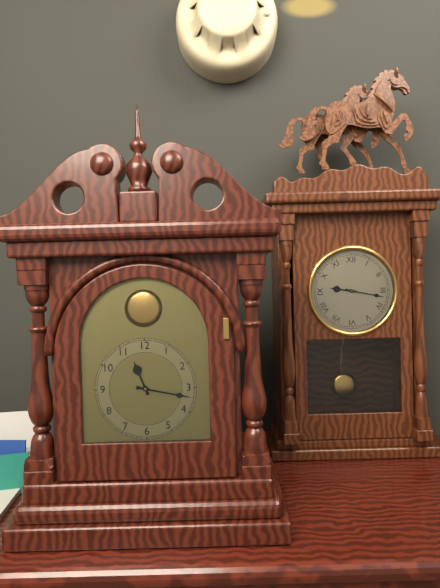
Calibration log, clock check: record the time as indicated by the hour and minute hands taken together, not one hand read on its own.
11:17
